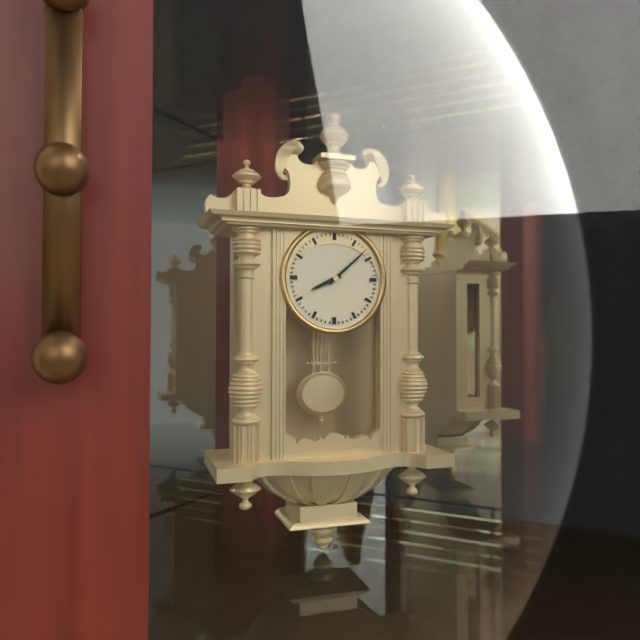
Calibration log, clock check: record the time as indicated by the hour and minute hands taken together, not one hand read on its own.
8:08
